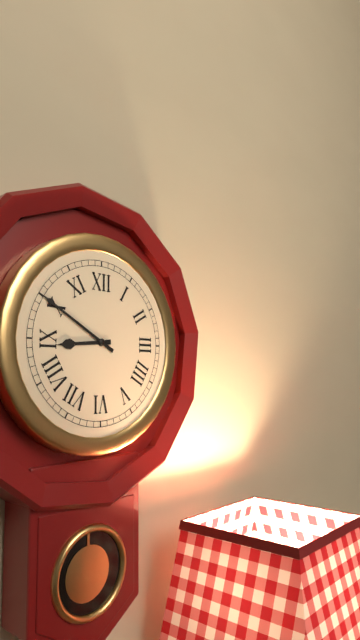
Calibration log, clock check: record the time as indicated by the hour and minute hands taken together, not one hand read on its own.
8:50
